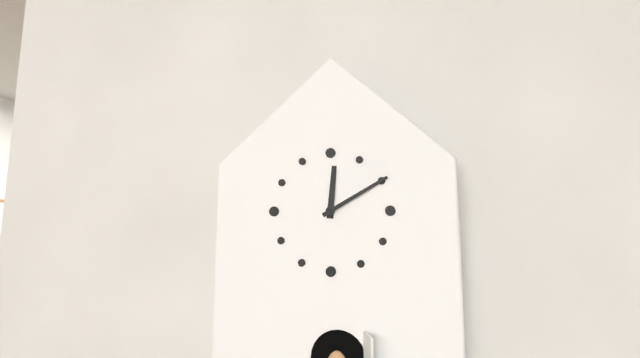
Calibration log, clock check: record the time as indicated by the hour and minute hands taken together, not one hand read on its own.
12:10
